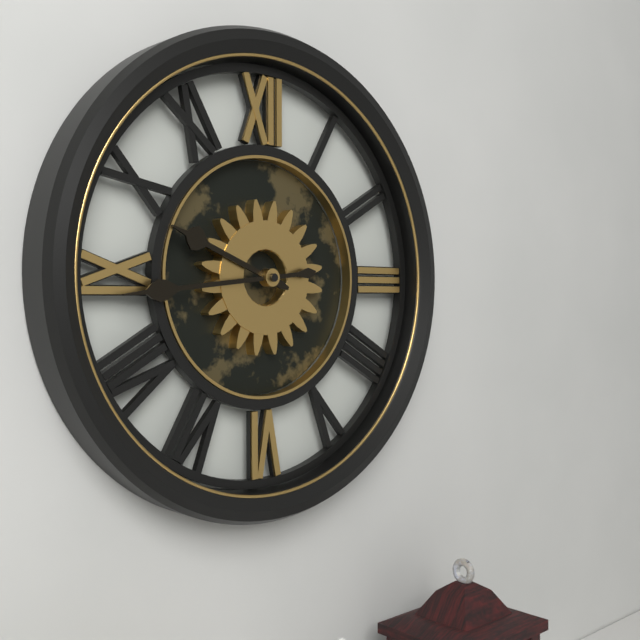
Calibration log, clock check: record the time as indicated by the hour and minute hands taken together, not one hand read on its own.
9:44
